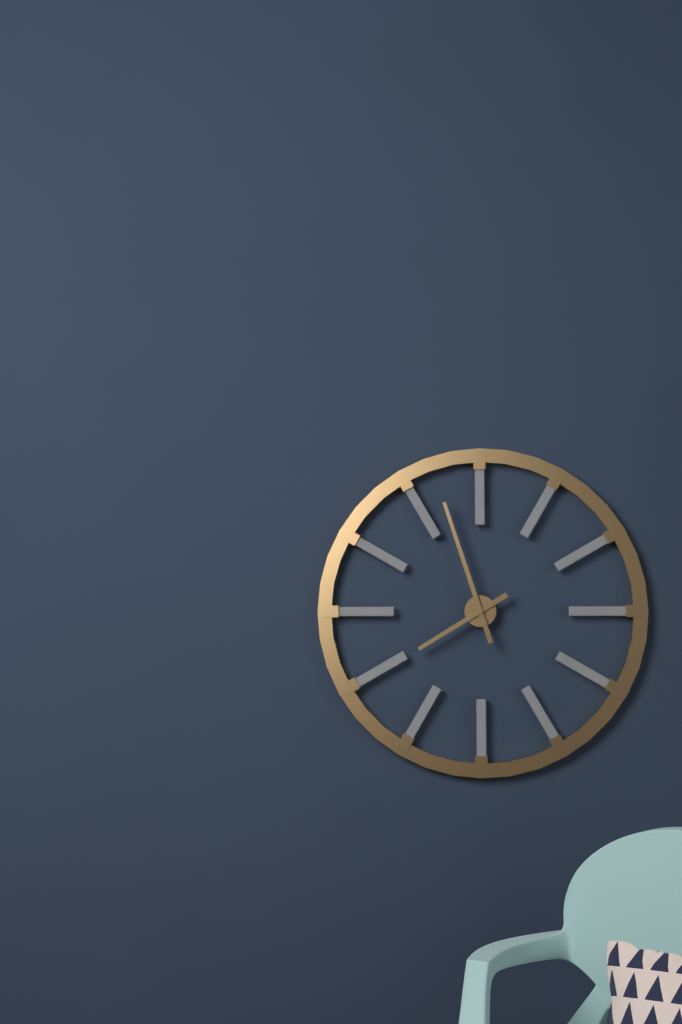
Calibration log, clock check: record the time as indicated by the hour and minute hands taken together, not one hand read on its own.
7:57
